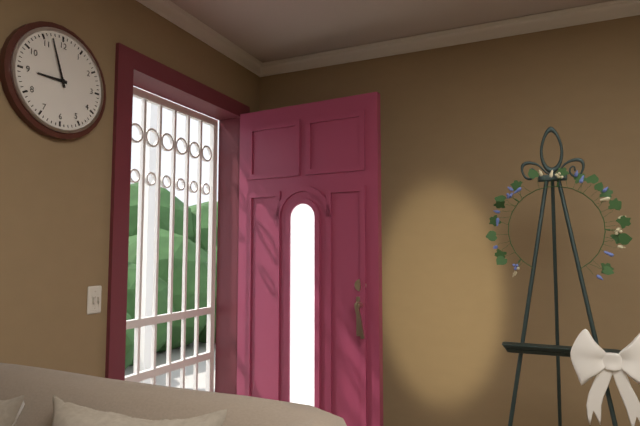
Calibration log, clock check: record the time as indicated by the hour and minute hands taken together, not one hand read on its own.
8:57
